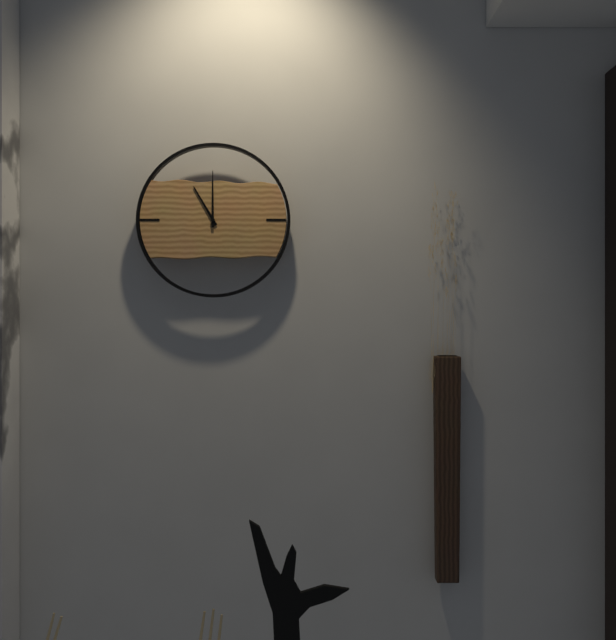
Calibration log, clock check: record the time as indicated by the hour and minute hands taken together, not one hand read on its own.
11:00
